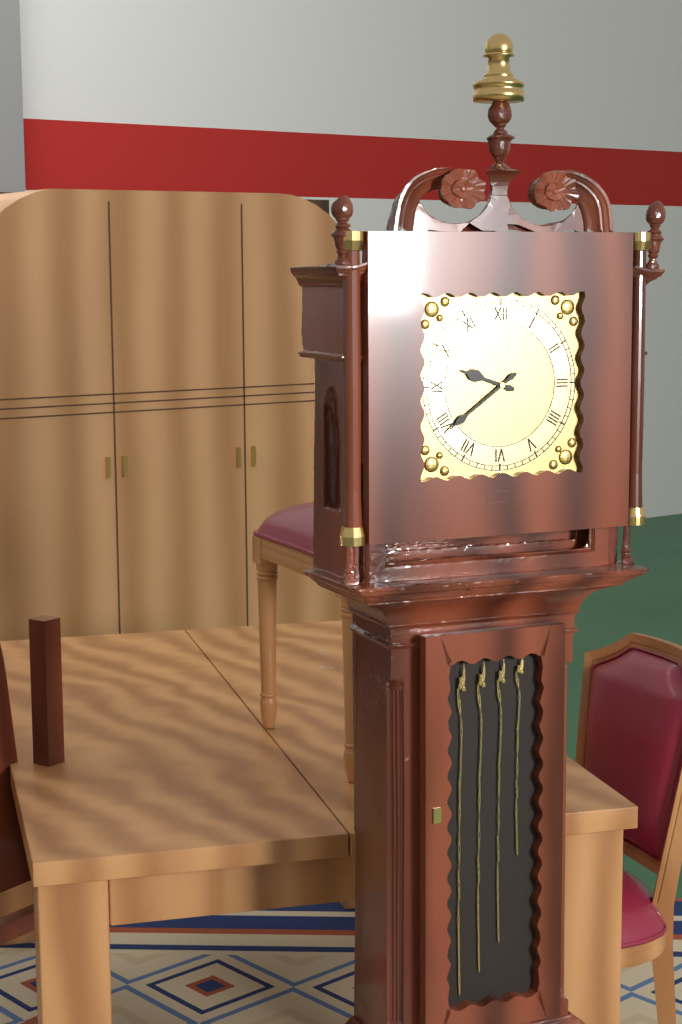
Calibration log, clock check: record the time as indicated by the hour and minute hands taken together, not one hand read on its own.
9:39
